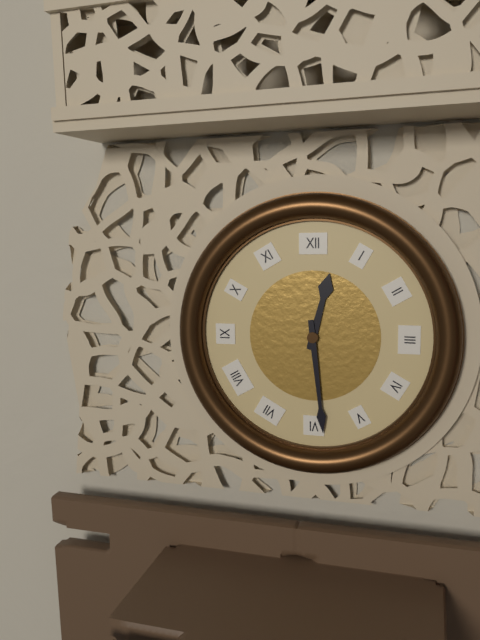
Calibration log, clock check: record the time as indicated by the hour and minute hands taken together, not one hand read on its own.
12:29
